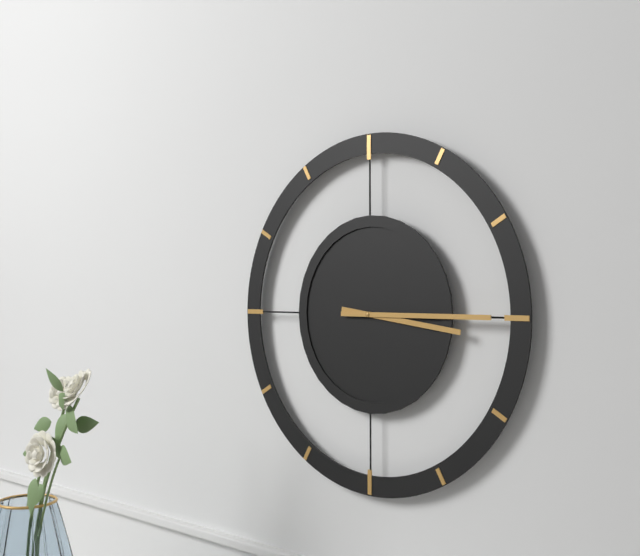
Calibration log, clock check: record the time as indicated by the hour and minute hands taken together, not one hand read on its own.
3:15
